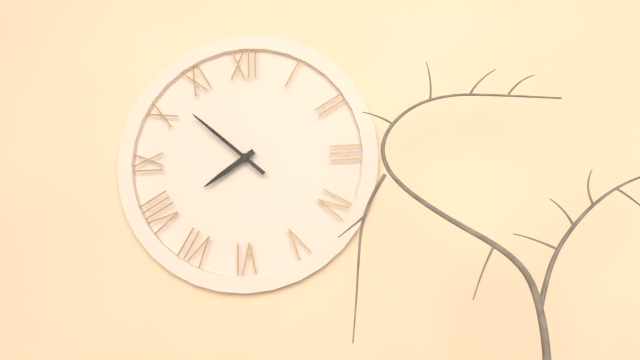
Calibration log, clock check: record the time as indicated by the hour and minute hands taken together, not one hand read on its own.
7:52
